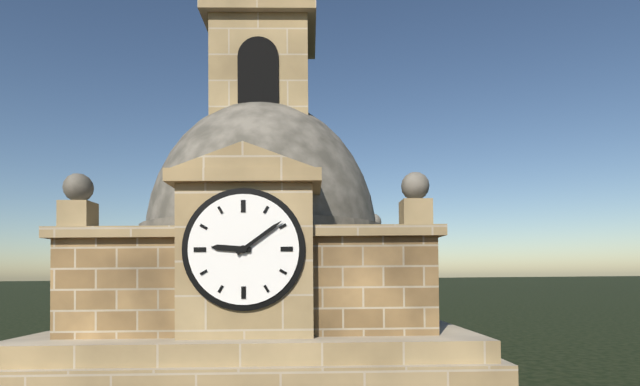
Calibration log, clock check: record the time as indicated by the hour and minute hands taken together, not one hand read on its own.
9:09
